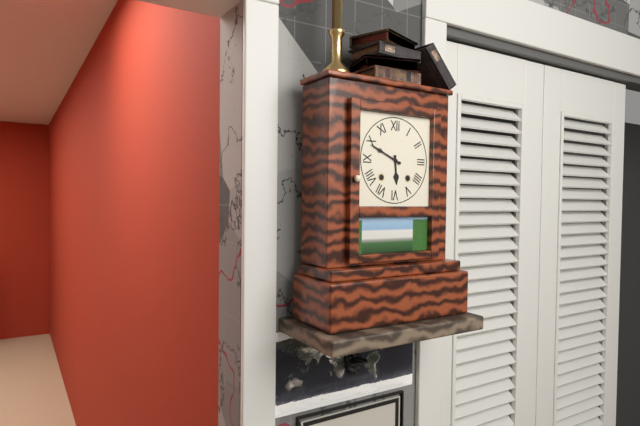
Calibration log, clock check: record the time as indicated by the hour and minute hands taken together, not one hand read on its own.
5:49
